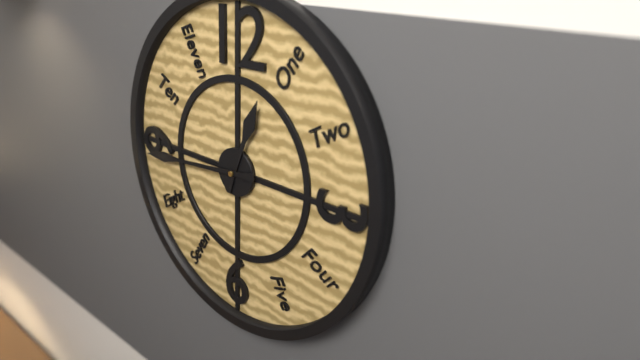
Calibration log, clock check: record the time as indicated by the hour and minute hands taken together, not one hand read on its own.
12:44
